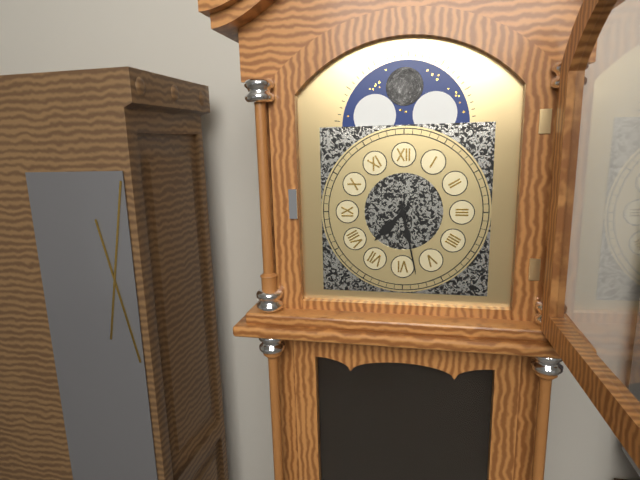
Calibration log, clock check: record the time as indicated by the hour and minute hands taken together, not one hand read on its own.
7:28
